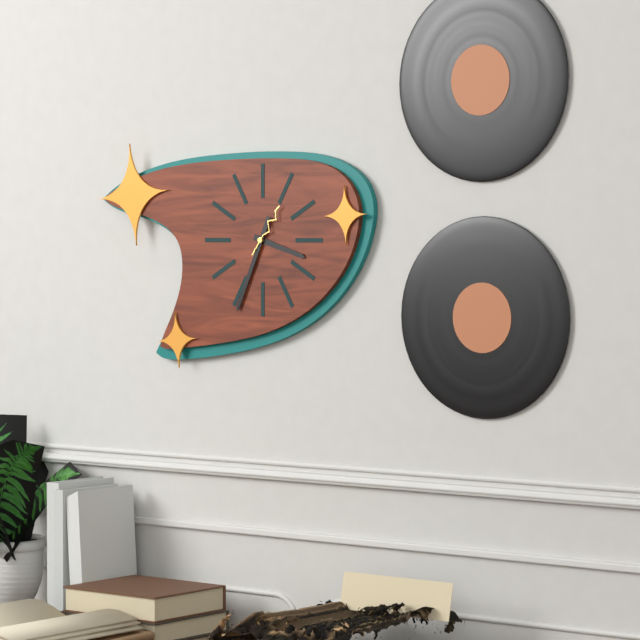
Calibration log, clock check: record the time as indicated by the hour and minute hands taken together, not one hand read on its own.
3:34
